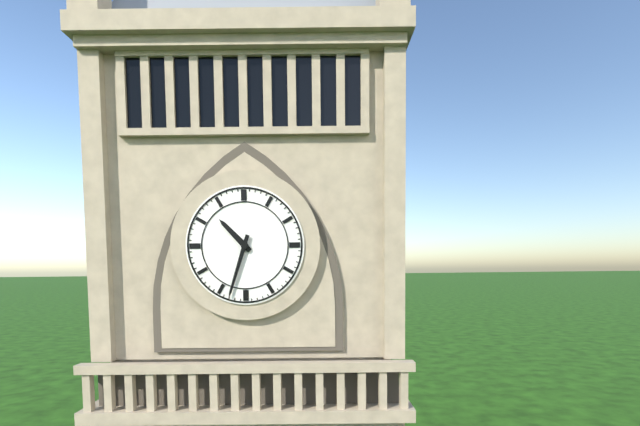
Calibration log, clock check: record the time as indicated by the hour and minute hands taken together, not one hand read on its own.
10:33
